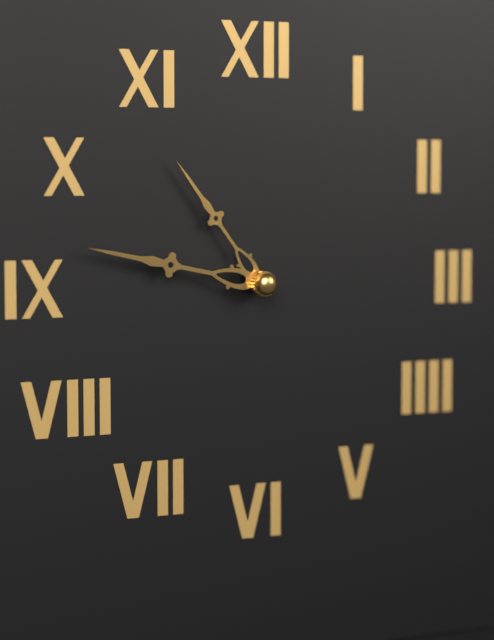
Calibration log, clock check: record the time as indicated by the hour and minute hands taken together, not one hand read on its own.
10:47
